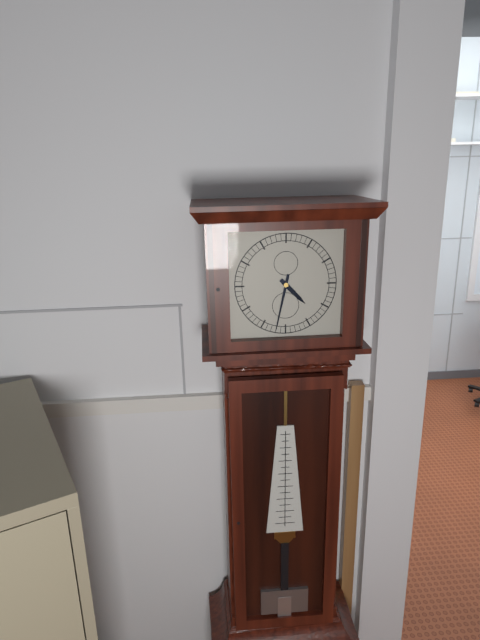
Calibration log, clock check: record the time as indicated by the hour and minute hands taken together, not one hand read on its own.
4:32
